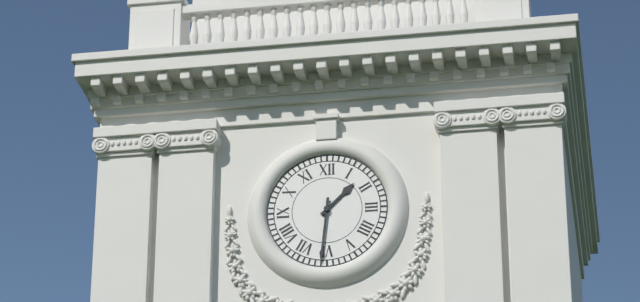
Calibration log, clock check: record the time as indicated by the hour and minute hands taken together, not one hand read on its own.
1:31
